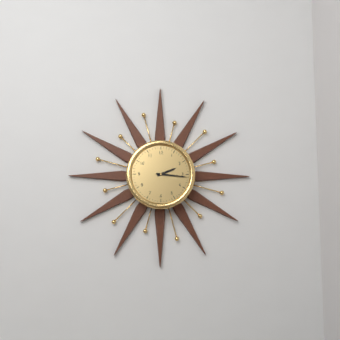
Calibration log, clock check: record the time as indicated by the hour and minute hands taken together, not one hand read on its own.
2:16
